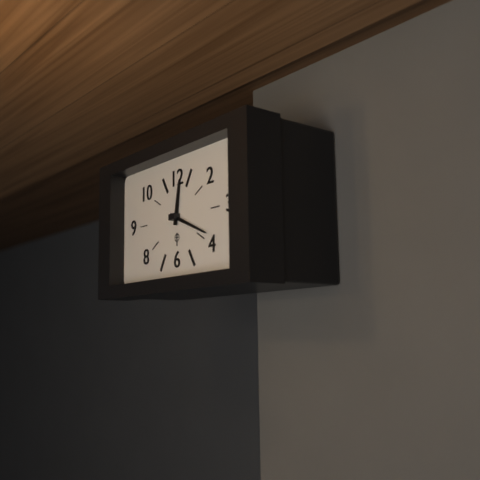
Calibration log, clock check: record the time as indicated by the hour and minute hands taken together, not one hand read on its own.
12:19
